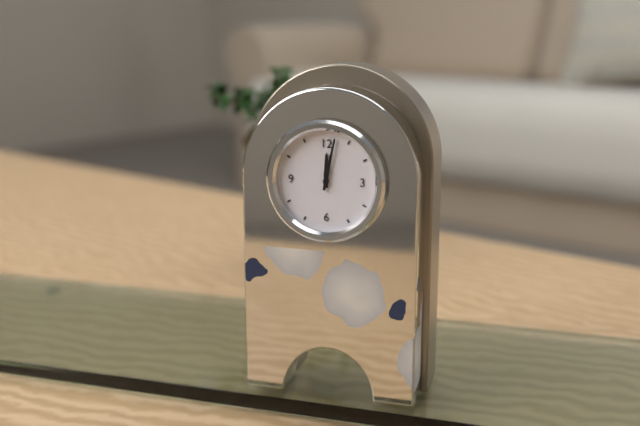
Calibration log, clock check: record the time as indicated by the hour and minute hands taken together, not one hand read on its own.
12:02
